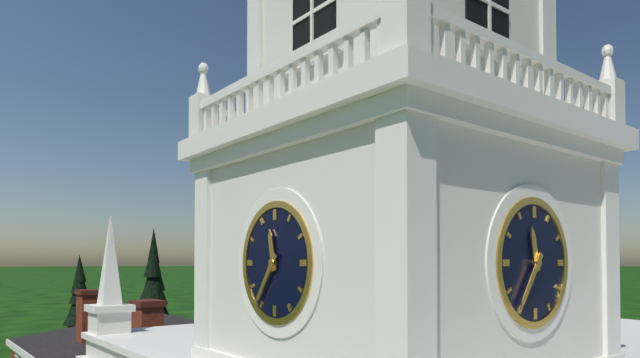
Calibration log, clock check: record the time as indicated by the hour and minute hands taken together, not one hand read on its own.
11:36
